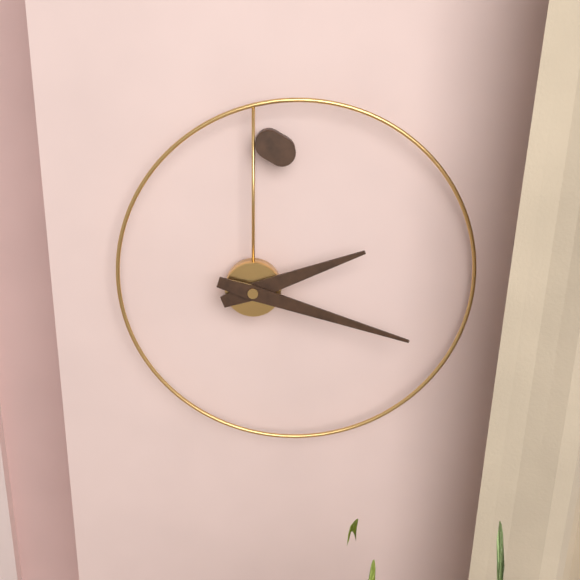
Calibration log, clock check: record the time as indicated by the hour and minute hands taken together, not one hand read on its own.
2:18
